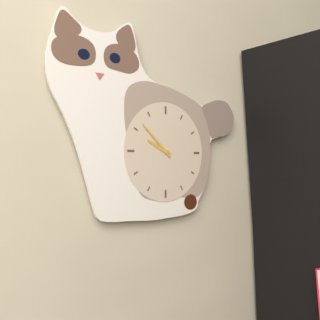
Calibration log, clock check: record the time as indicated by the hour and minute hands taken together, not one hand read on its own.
9:52
